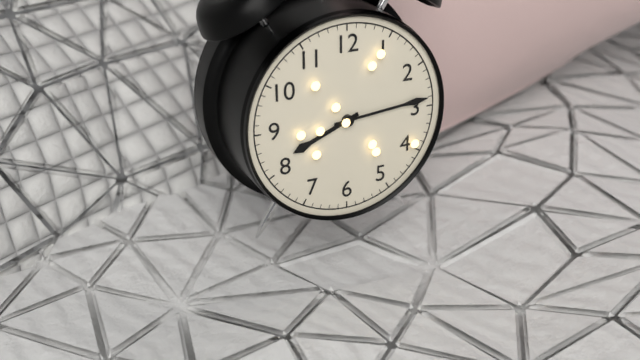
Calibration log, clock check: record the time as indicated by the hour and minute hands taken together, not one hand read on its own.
8:14
